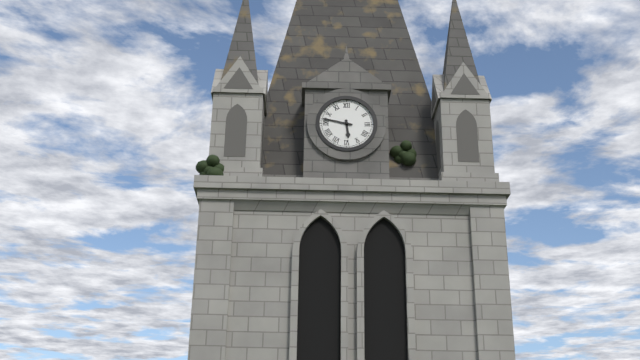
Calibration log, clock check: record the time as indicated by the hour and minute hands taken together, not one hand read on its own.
5:47
